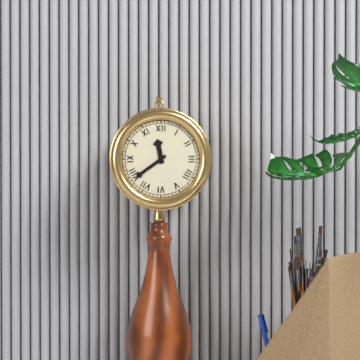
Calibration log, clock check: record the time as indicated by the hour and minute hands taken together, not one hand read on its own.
11:39
